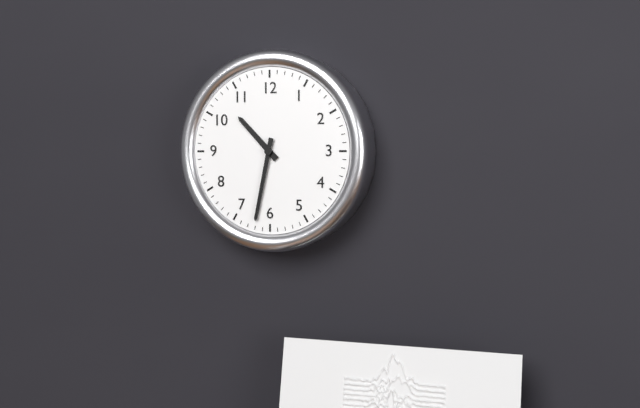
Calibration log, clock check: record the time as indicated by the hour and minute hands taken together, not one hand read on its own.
10:32
